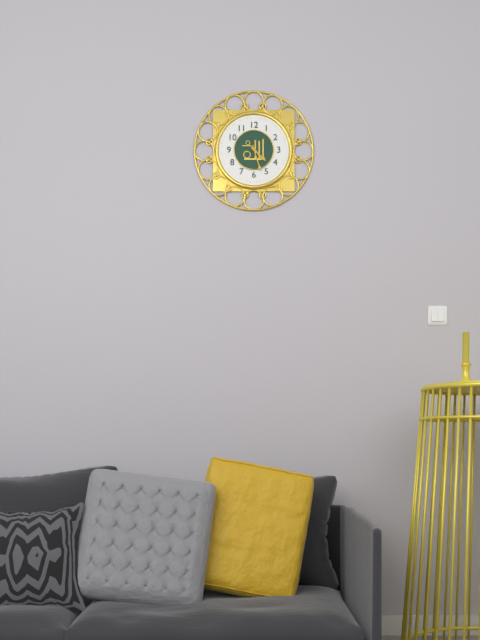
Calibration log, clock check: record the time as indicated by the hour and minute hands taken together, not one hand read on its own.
4:27
